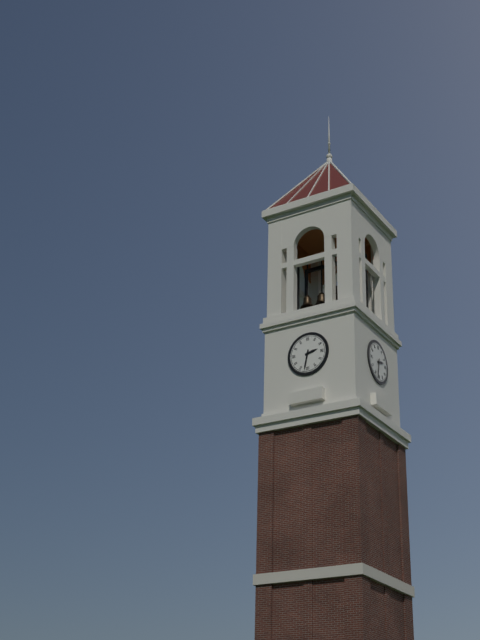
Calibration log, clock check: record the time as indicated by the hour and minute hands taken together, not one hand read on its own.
2:32
